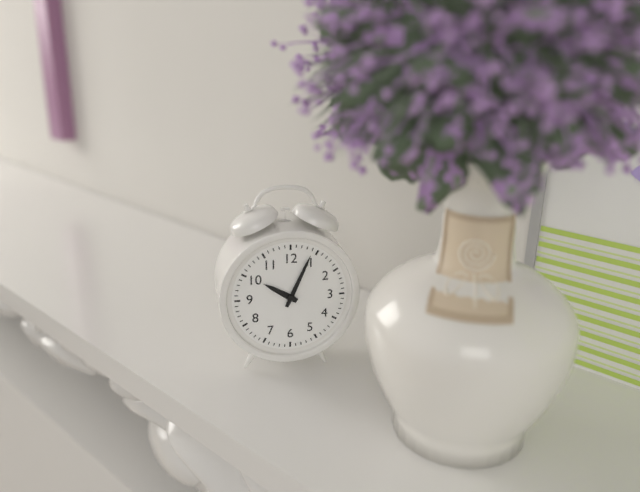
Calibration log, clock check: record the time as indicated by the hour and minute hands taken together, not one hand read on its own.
10:04
